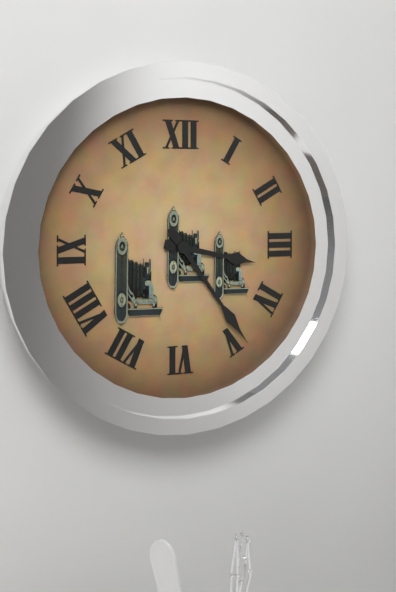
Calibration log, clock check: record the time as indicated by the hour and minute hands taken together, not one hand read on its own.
3:24
